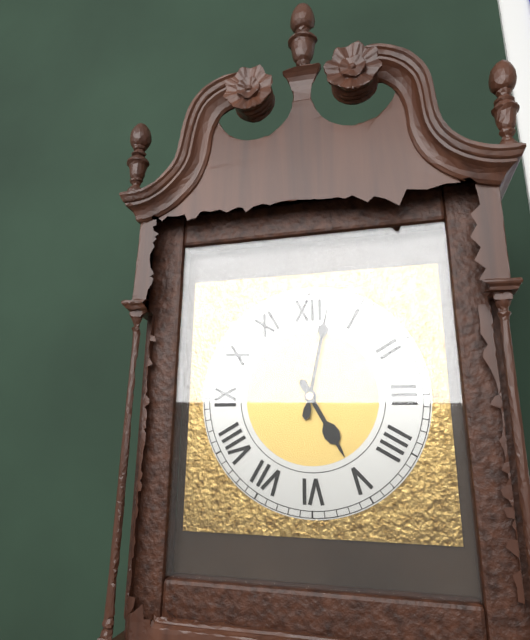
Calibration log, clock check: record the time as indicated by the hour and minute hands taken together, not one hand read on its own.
5:02
